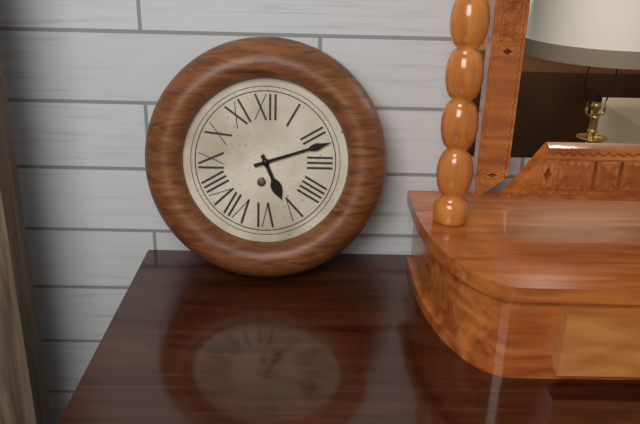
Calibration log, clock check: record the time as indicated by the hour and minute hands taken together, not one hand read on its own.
5:12
